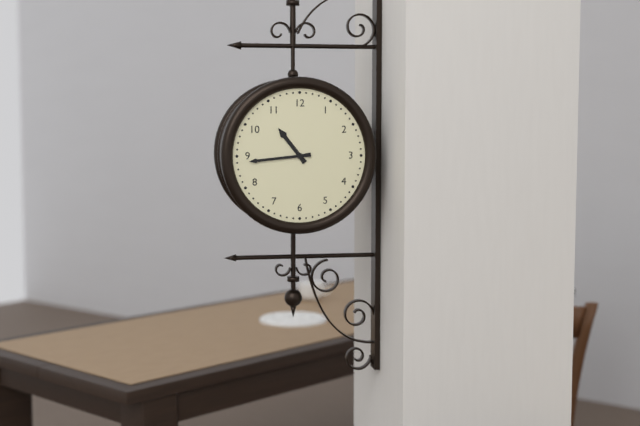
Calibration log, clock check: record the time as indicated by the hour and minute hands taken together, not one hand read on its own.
10:44
